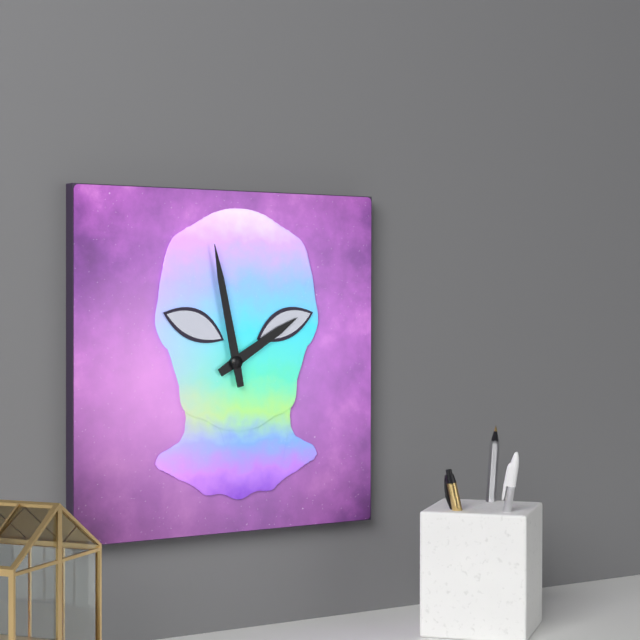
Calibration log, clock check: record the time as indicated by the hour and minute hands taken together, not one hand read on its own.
1:58
